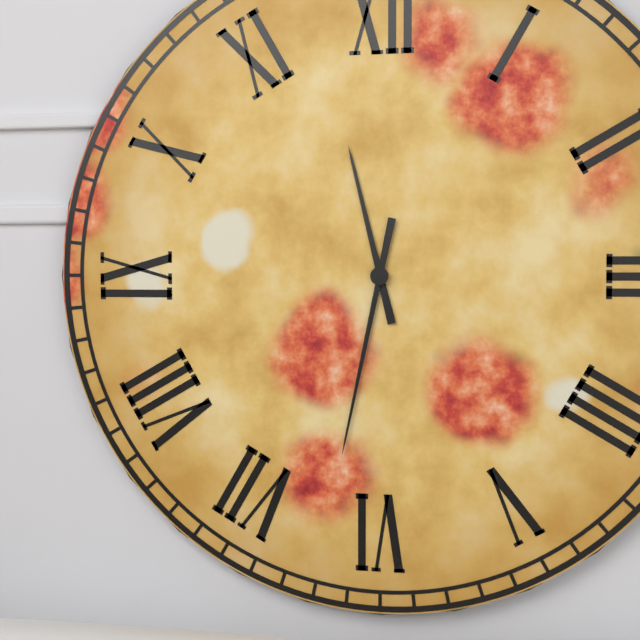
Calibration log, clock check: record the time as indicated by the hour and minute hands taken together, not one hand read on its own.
11:32
